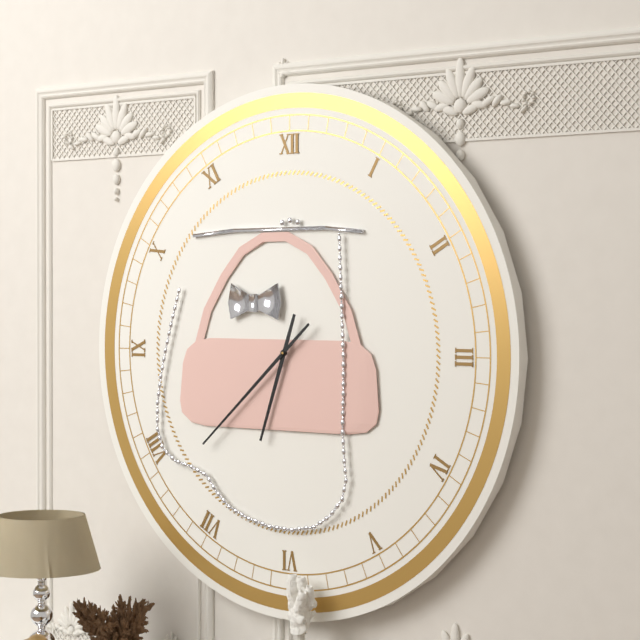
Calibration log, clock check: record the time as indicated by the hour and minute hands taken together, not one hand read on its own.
6:38
